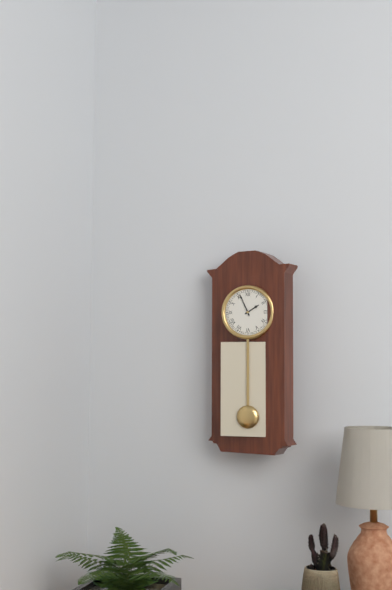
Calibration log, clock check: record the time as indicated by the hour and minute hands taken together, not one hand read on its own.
1:56
